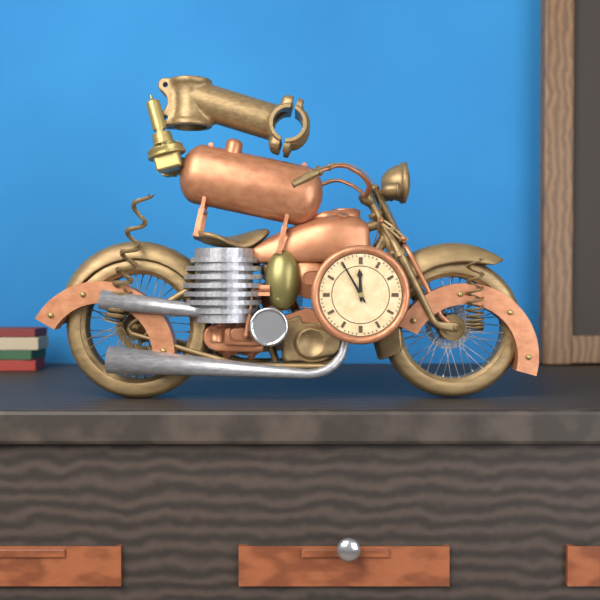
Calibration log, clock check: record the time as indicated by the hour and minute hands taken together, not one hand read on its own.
11:55
